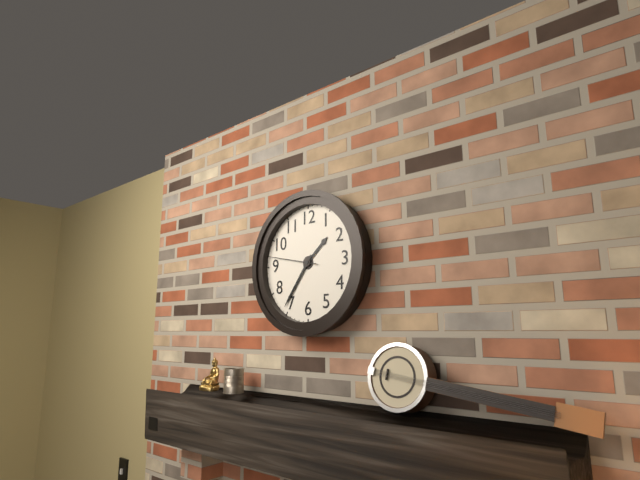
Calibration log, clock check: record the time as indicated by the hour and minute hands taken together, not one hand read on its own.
1:36
